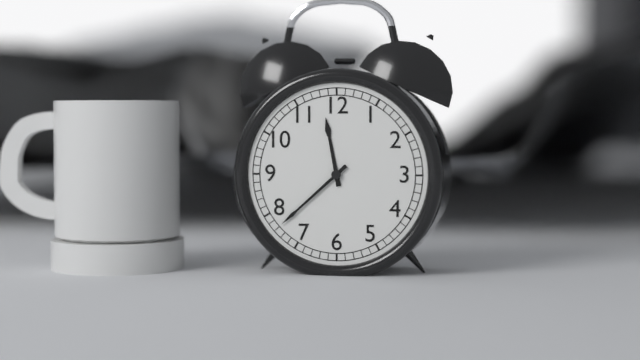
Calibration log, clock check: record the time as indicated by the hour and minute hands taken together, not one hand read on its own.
11:38
